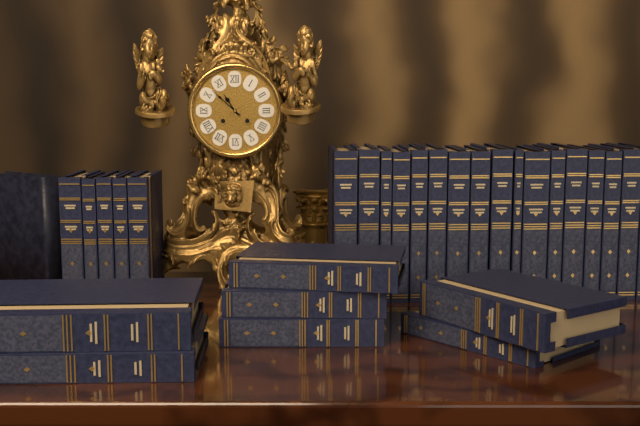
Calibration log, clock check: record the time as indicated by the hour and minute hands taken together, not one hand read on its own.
10:52
